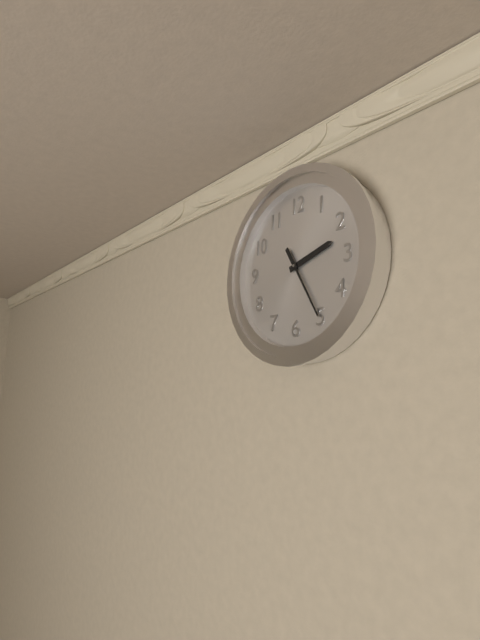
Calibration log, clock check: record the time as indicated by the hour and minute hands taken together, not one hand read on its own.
2:25
